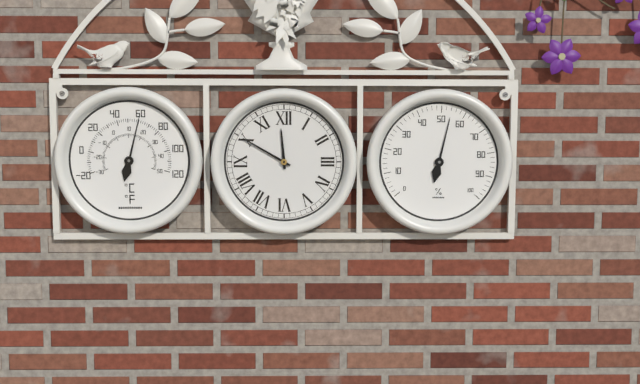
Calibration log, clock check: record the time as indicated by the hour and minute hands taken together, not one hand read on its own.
11:50
